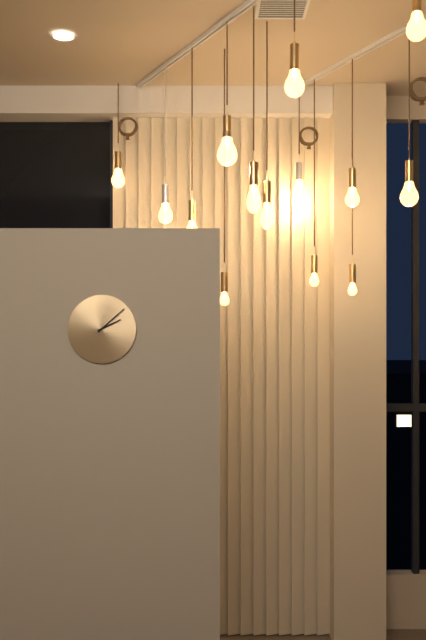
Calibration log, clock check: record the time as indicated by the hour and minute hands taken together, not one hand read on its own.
2:08
